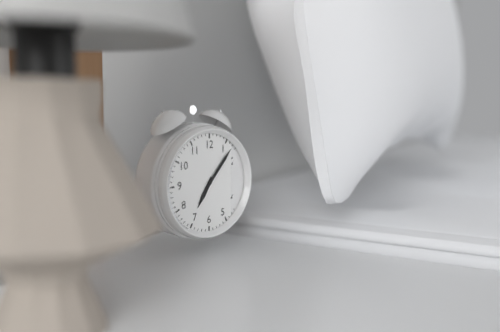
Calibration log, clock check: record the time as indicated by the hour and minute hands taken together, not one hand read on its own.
7:07
